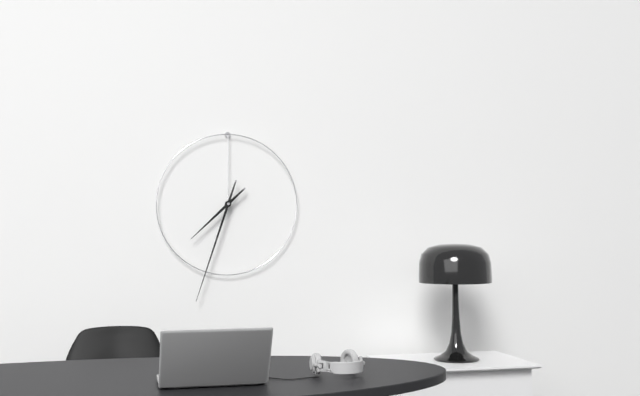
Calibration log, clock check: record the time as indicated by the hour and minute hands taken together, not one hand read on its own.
7:33
